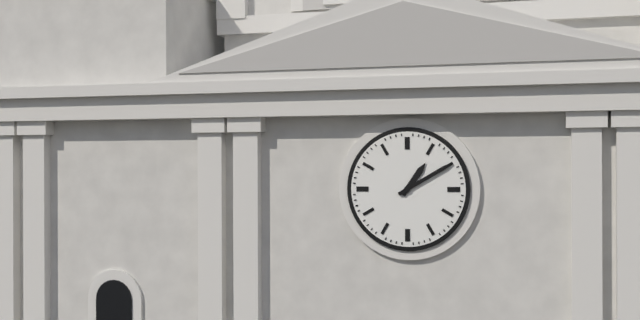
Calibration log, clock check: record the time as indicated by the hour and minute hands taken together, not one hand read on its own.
1:10
